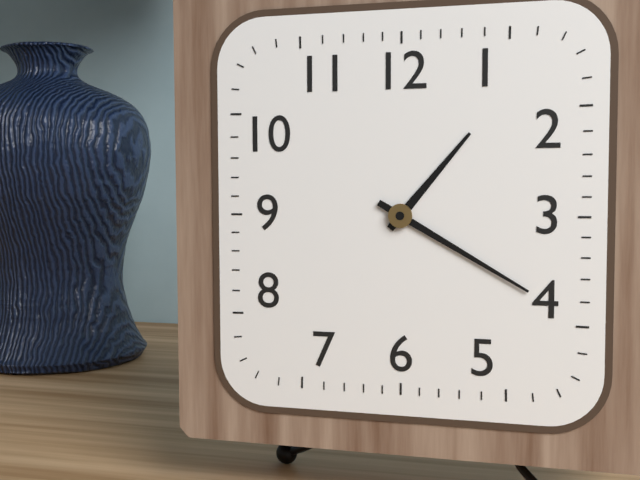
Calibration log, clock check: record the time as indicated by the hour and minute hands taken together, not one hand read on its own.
1:20
